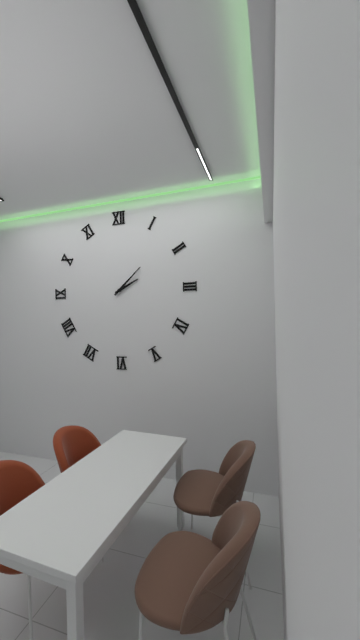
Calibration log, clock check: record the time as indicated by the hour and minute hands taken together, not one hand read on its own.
2:08
